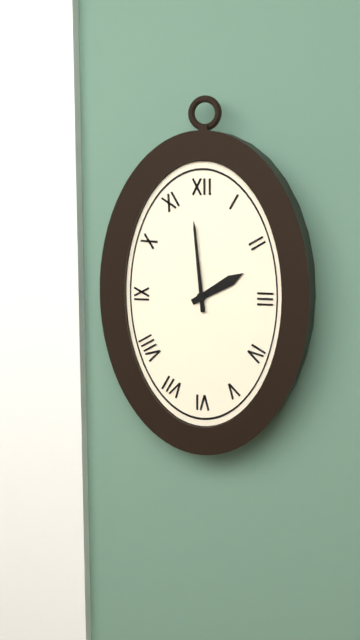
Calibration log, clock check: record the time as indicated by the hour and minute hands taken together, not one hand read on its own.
1:59
